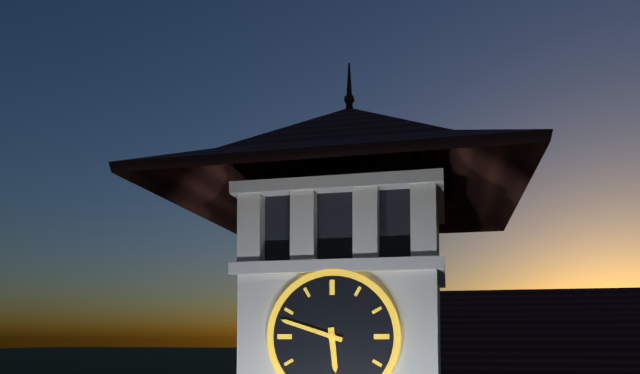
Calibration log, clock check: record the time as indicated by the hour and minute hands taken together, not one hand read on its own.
5:48
